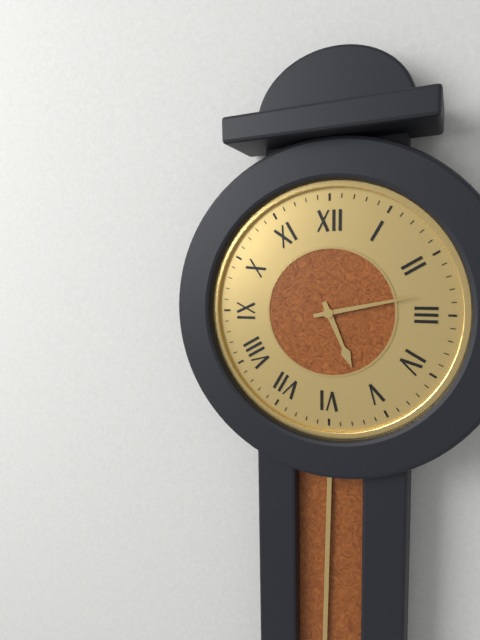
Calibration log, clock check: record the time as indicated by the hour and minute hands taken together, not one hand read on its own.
5:13
